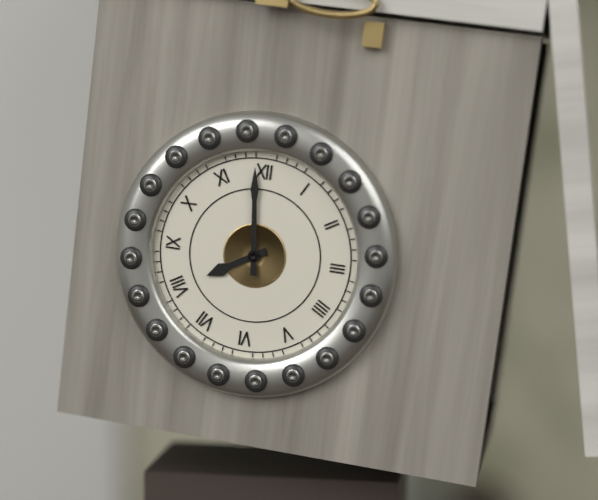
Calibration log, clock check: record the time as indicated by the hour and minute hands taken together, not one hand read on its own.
7:59
